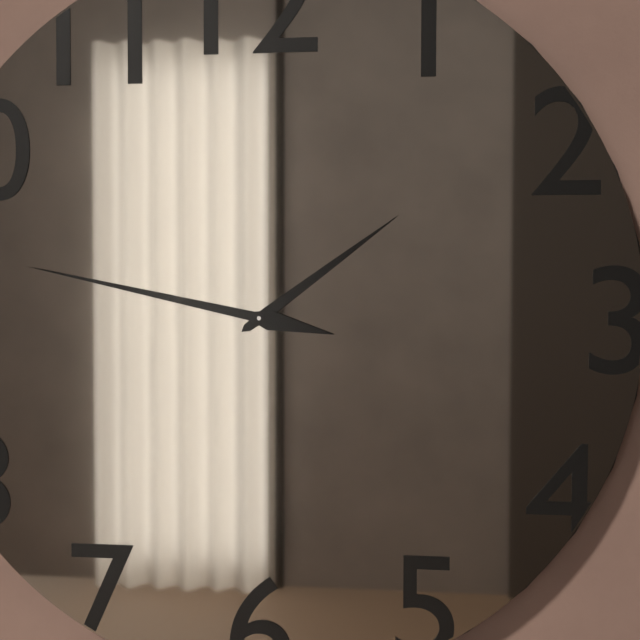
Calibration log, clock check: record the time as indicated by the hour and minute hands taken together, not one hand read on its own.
1:47
